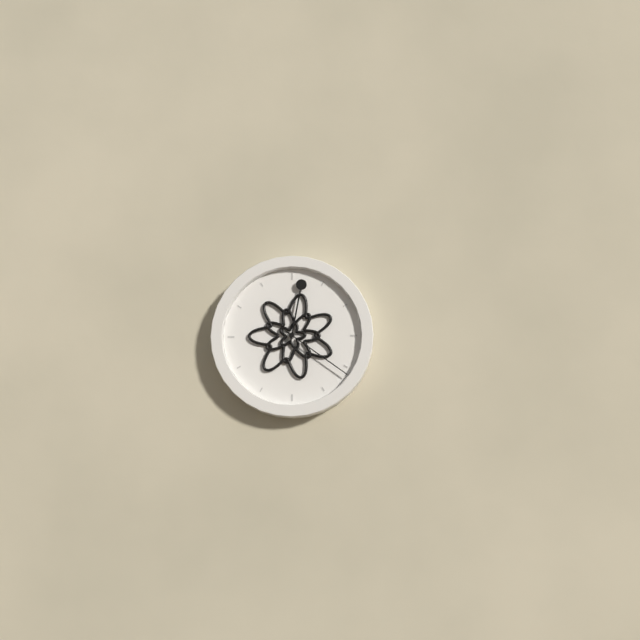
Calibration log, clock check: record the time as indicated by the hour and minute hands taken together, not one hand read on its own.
12:21
